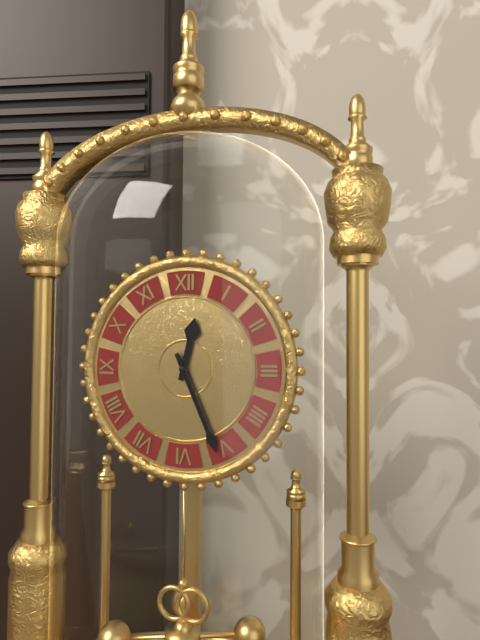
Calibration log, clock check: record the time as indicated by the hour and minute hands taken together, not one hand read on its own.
12:26
